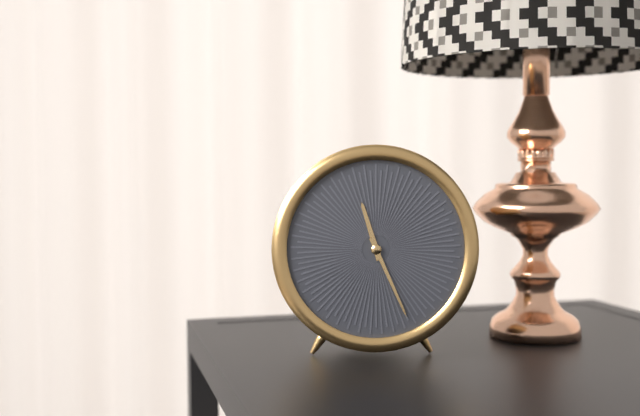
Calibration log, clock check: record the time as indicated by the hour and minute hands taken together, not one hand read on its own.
11:26
